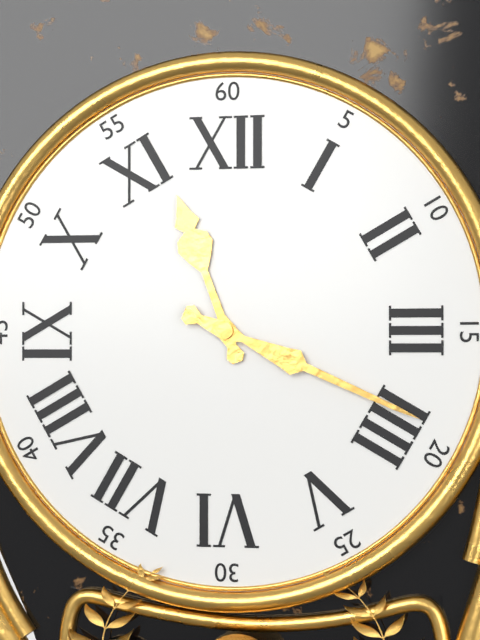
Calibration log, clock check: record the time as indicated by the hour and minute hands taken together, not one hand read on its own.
11:19
